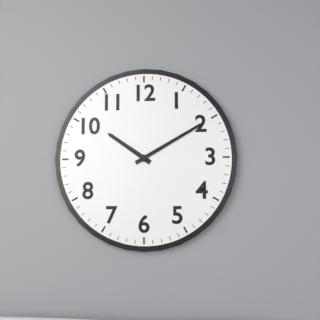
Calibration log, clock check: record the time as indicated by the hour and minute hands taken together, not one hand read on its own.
10:10
